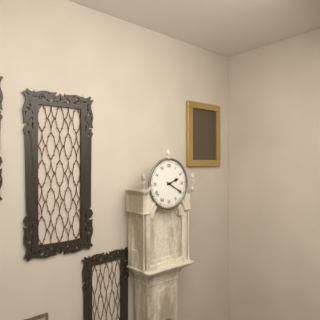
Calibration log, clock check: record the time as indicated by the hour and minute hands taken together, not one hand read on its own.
2:20
